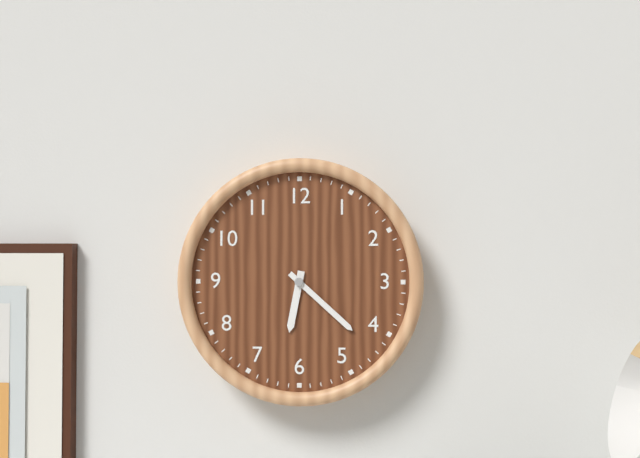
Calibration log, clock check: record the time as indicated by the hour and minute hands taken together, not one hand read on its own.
6:22
